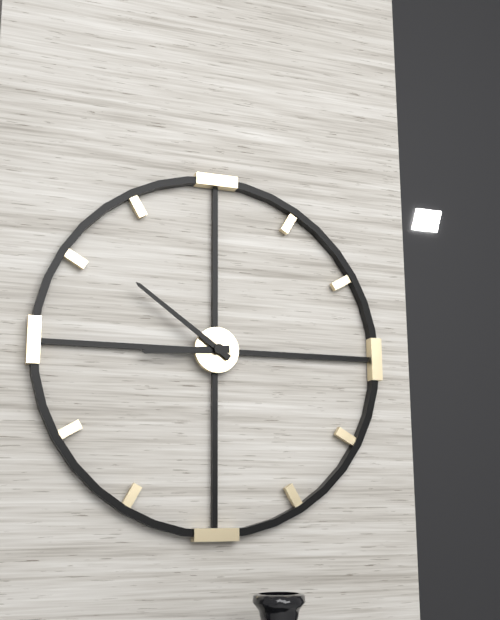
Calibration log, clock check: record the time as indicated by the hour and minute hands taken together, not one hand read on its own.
8:51
